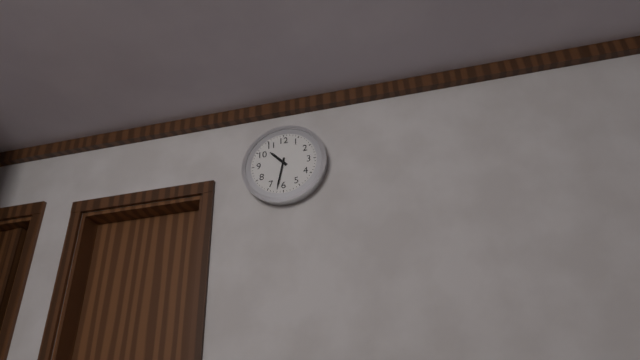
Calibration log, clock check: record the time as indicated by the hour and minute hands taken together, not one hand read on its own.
10:32
